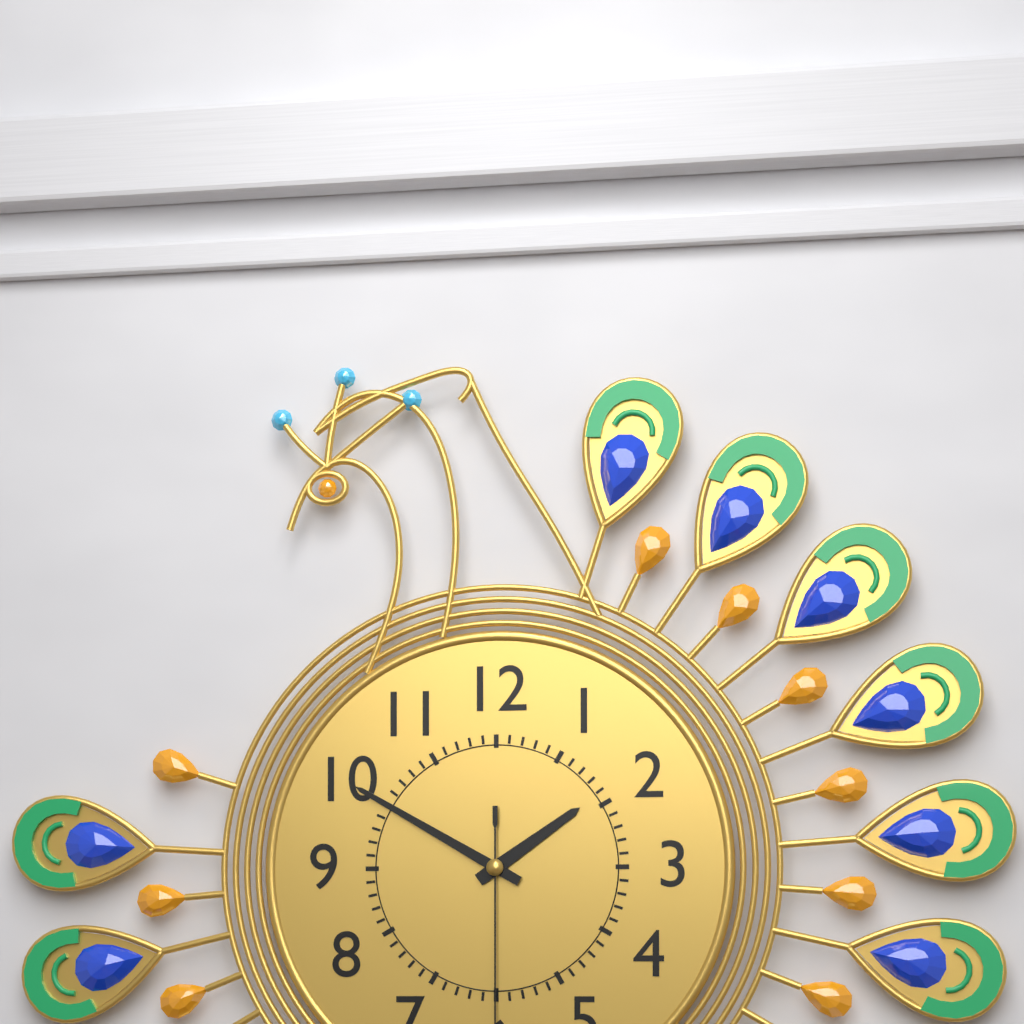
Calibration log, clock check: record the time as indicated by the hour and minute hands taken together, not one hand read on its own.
1:50
